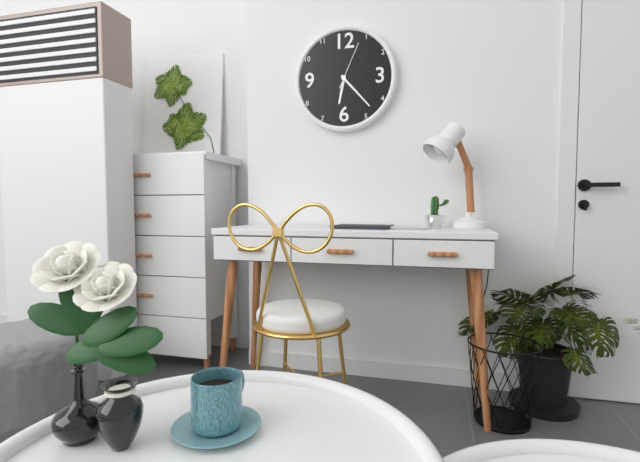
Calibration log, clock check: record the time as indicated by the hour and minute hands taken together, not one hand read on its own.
6:23
